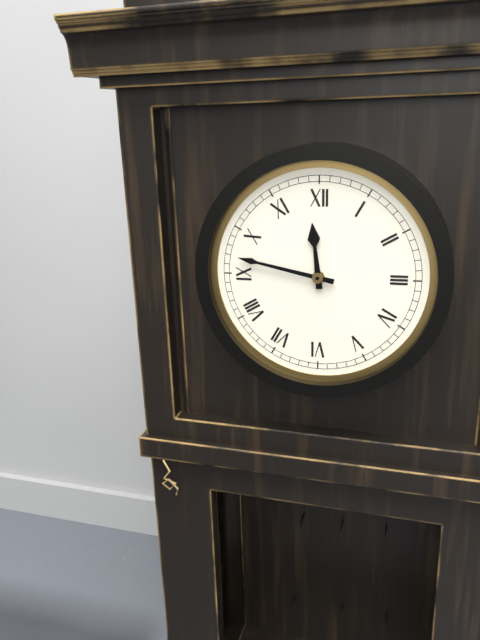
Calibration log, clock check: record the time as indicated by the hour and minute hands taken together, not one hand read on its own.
11:47
